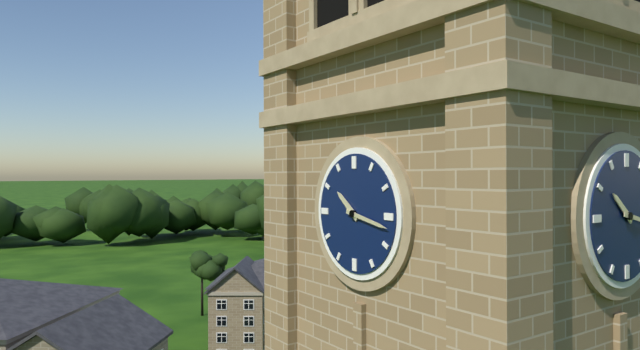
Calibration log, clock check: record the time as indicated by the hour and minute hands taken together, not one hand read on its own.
10:17
